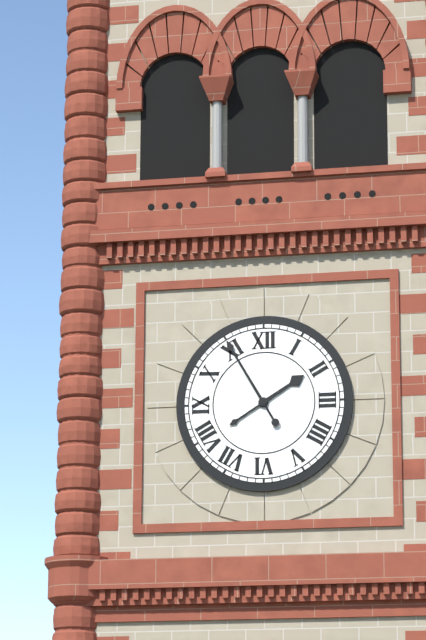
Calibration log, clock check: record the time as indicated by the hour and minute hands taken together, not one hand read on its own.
1:55
